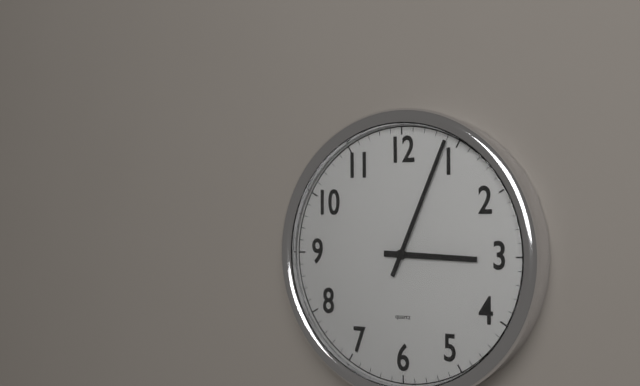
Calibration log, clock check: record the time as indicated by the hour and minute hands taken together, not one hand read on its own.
3:04
